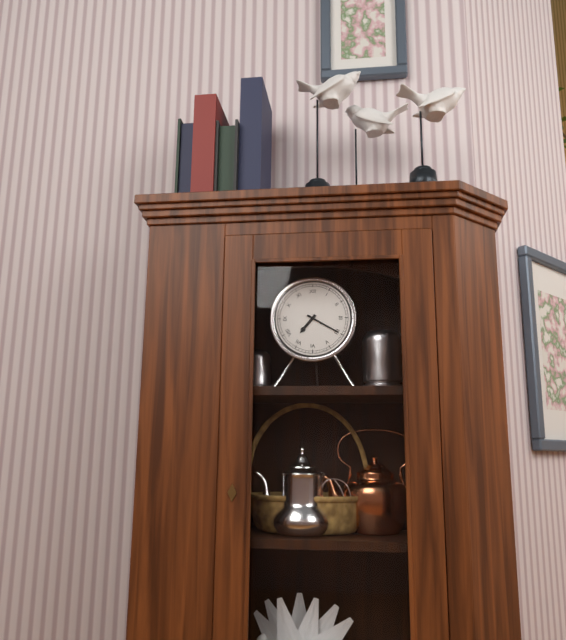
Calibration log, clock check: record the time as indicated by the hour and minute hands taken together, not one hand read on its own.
7:20
